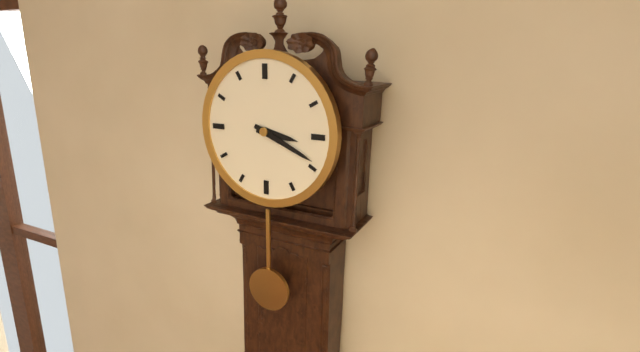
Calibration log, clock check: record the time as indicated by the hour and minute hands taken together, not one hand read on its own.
3:19
